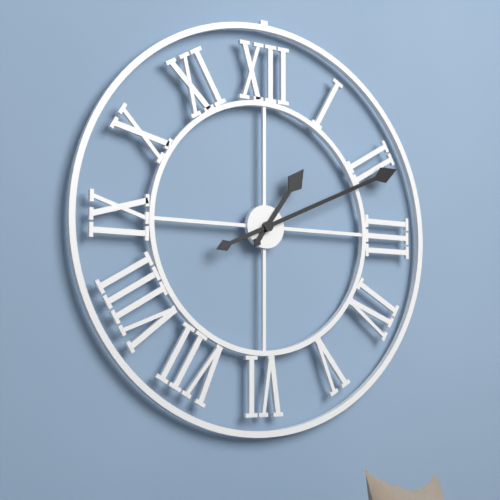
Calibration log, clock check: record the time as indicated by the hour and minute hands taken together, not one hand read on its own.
1:11
